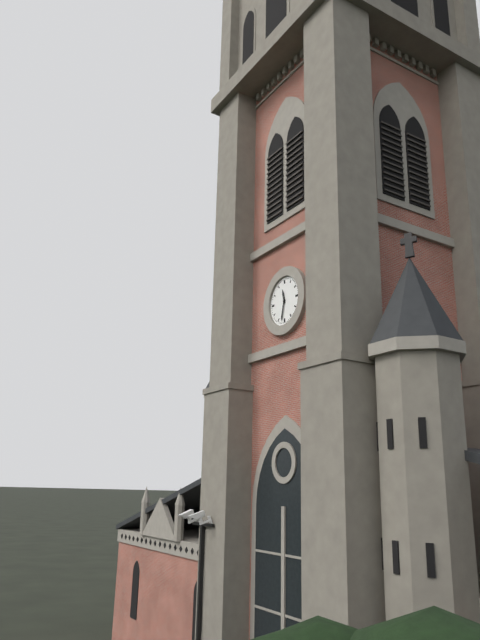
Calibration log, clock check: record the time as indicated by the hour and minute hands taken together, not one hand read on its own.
11:32
